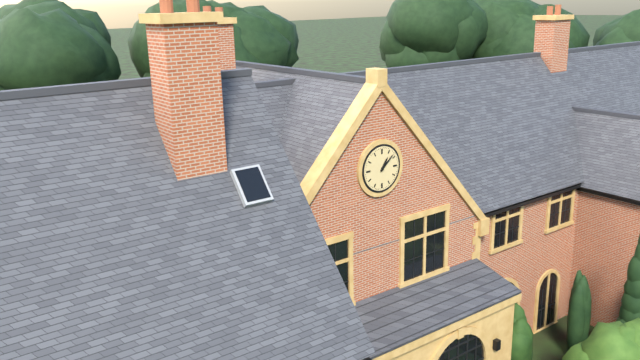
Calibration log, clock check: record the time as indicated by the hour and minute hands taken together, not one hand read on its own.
1:08
